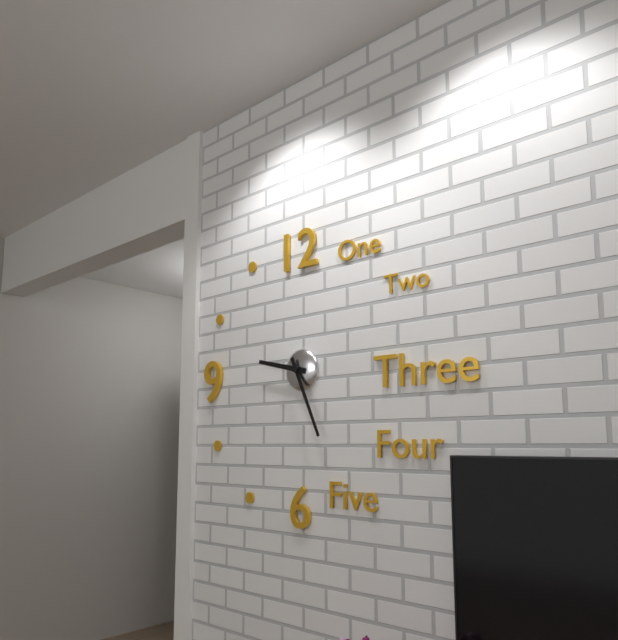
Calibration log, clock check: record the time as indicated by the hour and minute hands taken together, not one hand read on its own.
9:26
